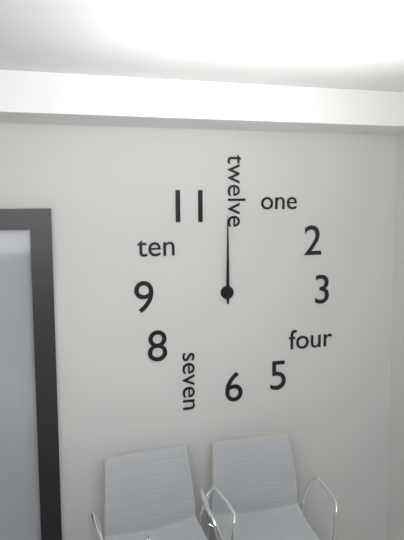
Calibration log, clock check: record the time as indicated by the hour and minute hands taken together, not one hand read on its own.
12:00
